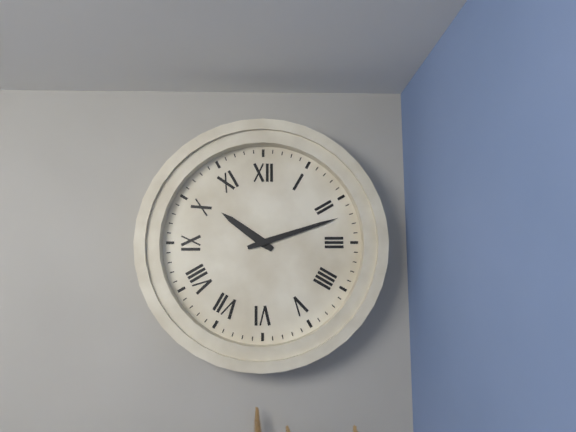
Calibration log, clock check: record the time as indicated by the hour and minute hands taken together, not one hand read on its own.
10:12
